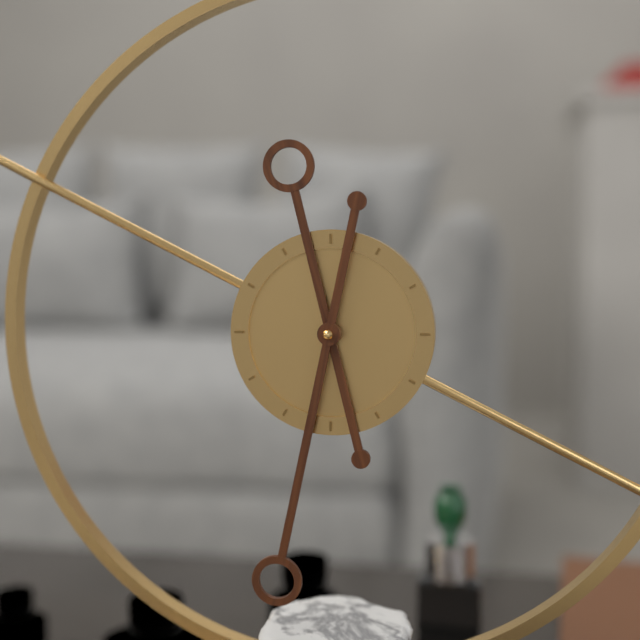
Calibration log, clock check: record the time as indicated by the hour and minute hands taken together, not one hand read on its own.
11:32
